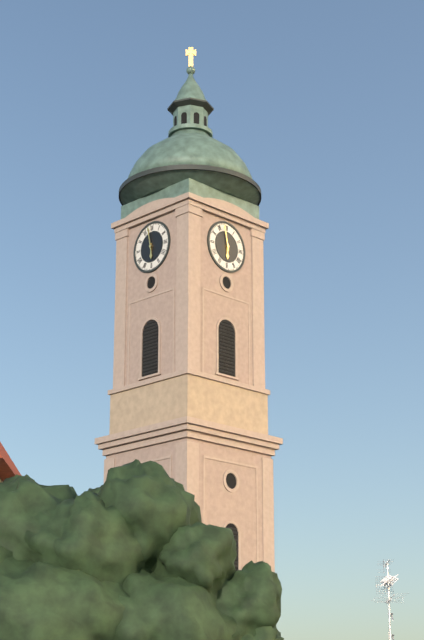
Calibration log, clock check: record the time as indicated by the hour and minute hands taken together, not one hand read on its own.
5:58
